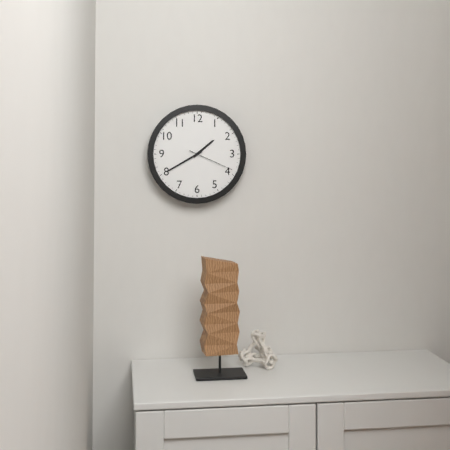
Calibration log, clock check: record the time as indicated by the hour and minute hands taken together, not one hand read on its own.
1:40
